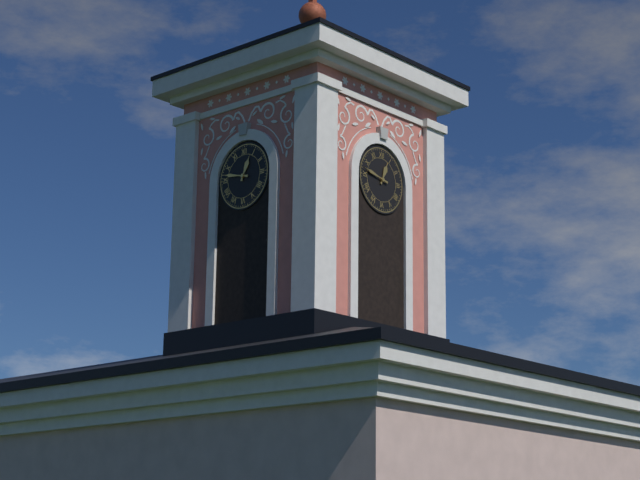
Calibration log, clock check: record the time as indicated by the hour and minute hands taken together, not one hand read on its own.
12:47
